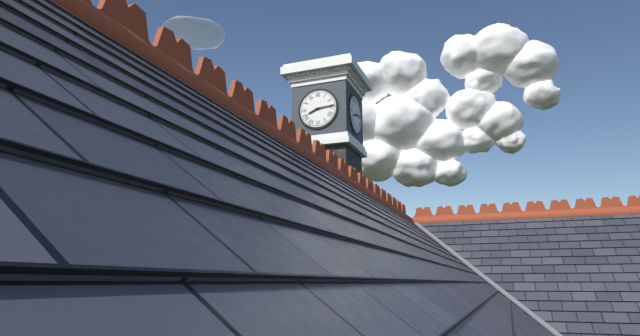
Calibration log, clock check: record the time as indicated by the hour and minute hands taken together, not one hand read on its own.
8:14
